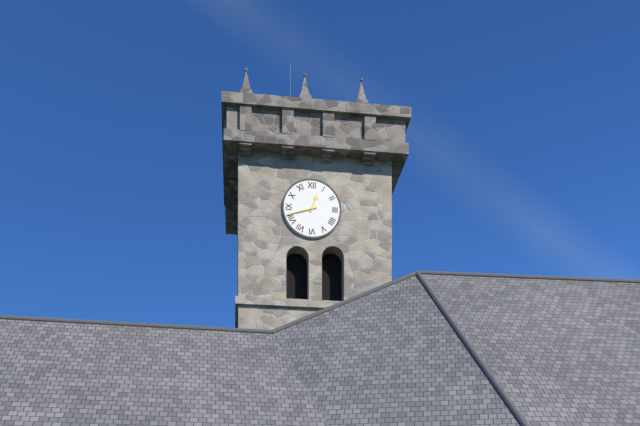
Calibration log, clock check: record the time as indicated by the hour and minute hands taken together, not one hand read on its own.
12:42
